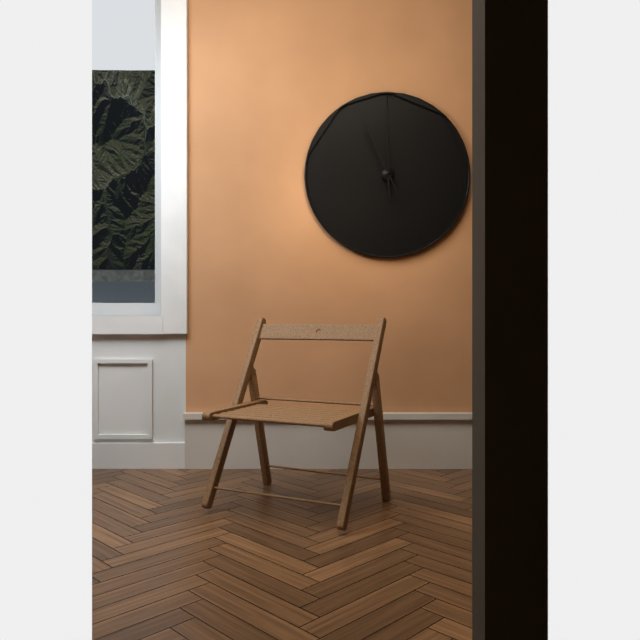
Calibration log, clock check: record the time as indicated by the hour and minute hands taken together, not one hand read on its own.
11:56
